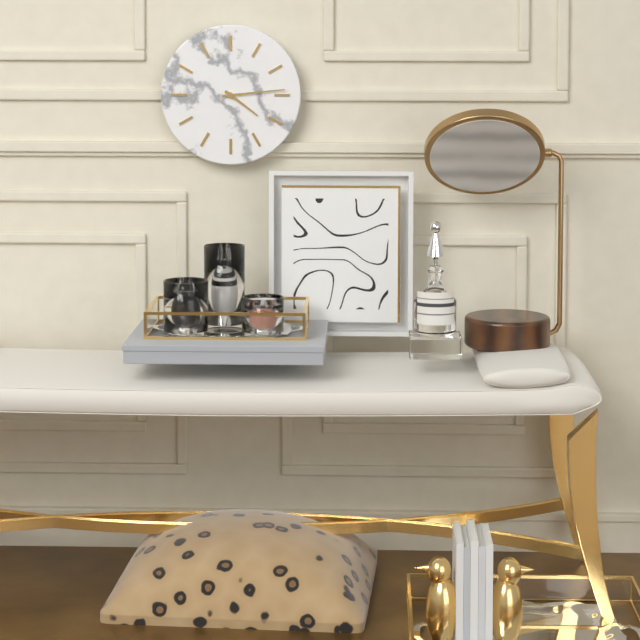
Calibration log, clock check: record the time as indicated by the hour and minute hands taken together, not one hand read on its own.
4:14
